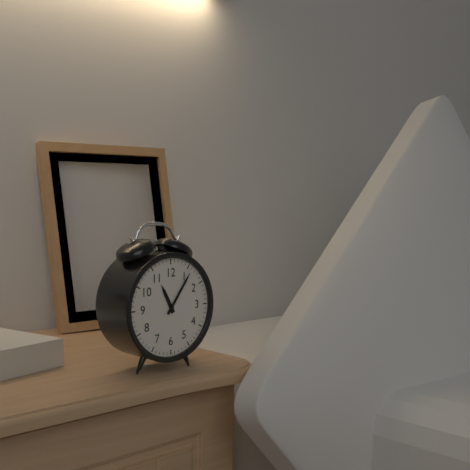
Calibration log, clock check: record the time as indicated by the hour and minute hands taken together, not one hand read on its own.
11:06
